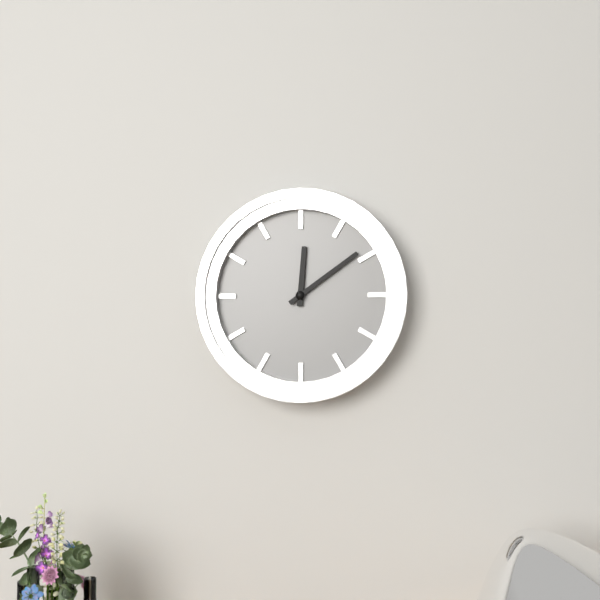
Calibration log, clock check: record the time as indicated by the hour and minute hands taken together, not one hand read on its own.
12:09
